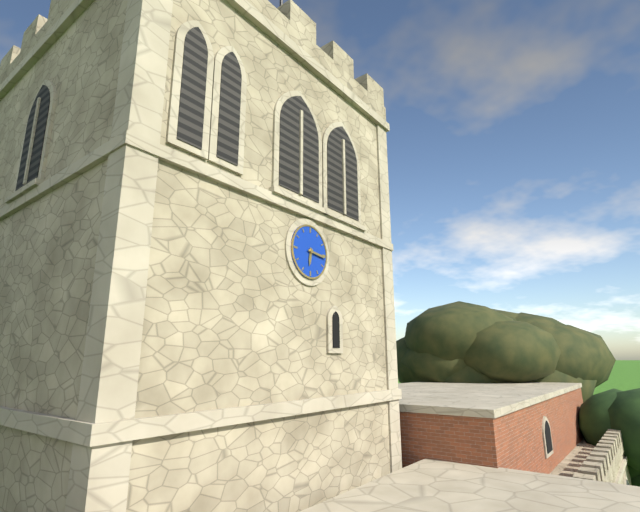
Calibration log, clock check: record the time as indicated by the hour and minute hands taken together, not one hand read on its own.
6:16
